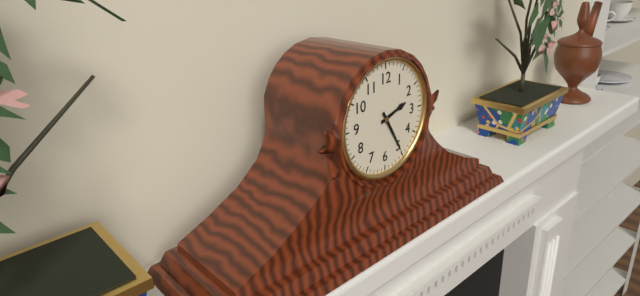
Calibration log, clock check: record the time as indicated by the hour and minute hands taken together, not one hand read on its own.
2:25
